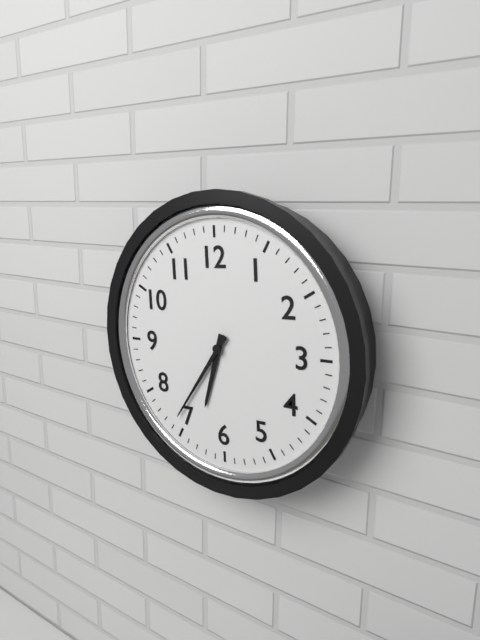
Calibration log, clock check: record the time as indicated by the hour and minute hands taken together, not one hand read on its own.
6:36
